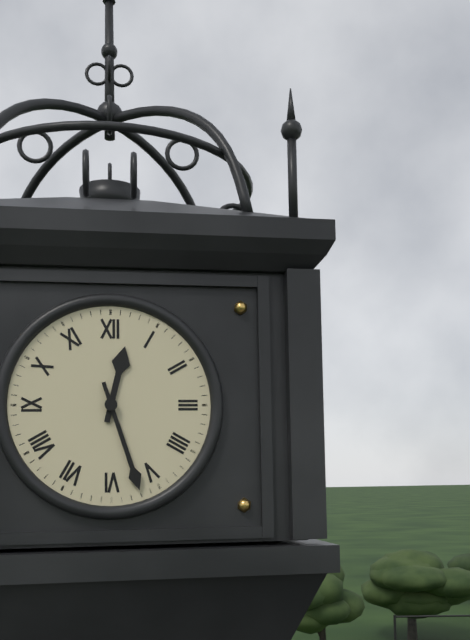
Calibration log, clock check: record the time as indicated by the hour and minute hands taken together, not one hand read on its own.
12:27
